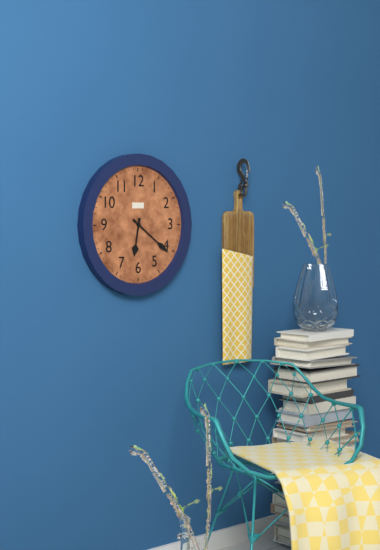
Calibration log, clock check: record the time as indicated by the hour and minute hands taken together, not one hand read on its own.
6:21
